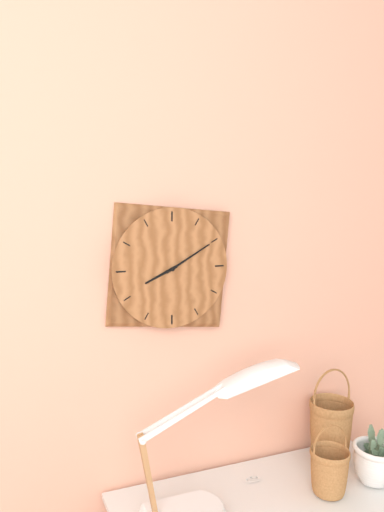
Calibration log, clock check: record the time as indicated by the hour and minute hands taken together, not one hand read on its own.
8:10
